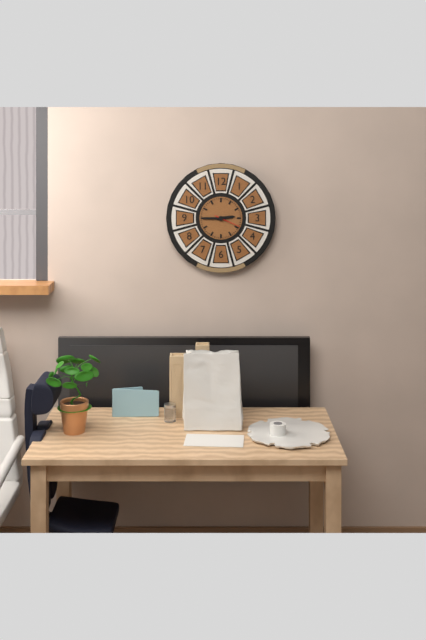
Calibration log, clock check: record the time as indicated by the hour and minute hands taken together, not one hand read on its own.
2:45
